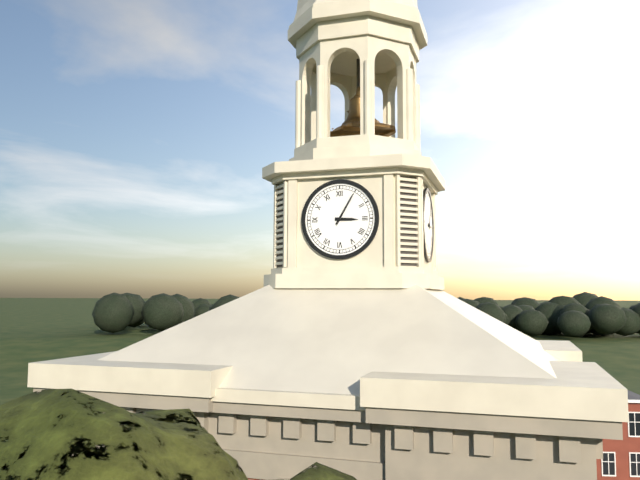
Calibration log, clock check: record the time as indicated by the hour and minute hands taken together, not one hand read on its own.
3:05
